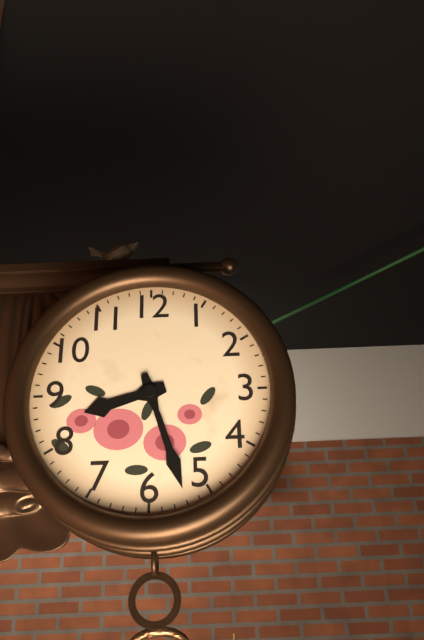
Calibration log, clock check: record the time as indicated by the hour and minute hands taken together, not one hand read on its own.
8:27
